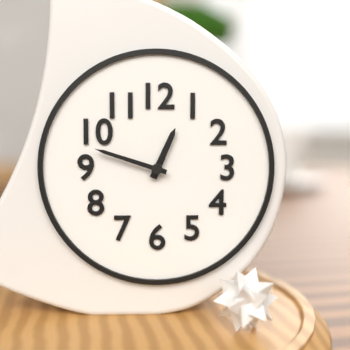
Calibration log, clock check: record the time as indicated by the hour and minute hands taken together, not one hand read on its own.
12:48
